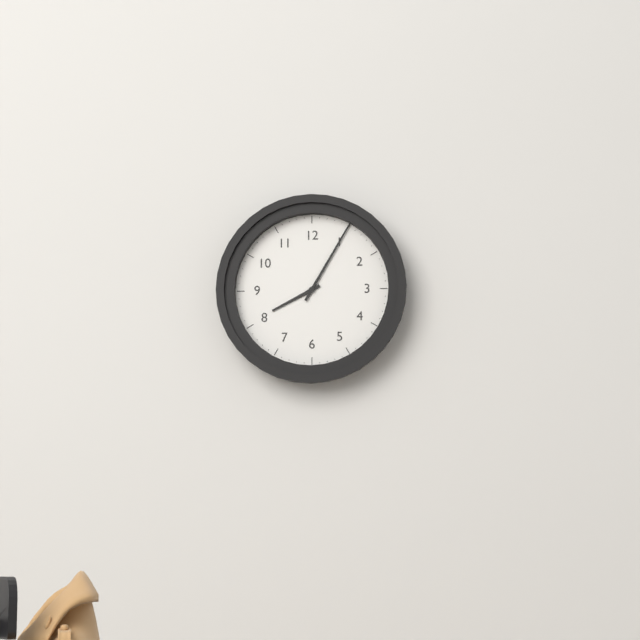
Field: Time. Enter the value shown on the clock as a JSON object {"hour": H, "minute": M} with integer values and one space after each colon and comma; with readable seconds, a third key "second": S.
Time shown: {"hour": 8, "minute": 5}
